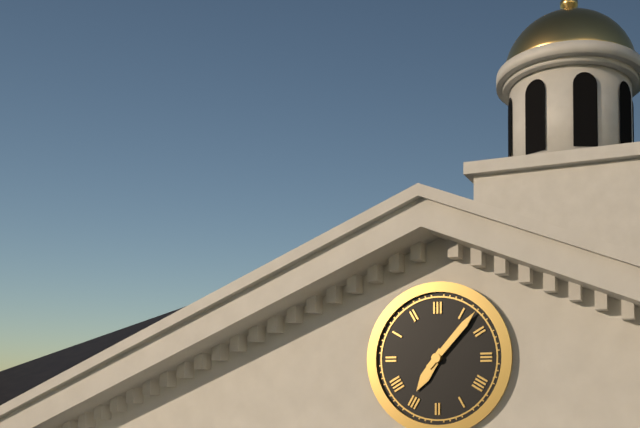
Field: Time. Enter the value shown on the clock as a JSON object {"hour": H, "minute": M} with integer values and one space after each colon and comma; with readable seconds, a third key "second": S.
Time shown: {"hour": 7, "minute": 7}
